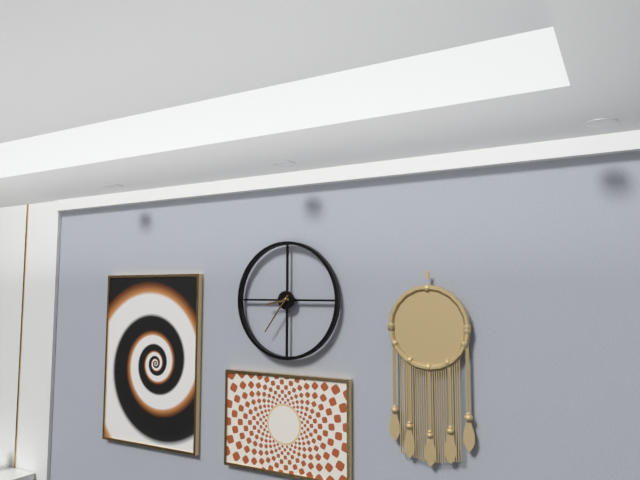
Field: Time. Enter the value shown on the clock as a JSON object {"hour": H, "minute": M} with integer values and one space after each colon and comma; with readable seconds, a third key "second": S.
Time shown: {"hour": 8, "minute": 36}
